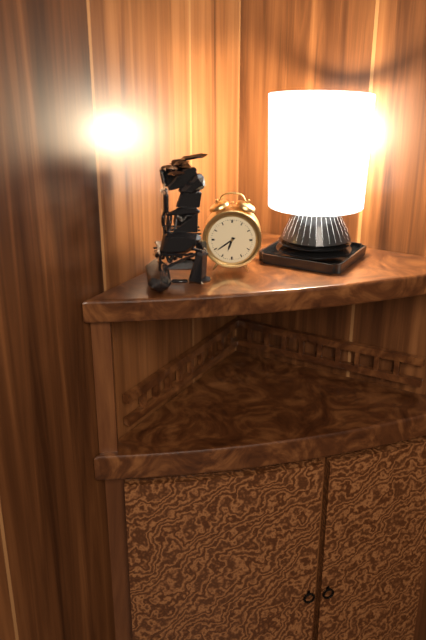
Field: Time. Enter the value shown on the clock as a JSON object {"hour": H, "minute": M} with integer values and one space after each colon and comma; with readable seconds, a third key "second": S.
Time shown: {"hour": 6, "minute": 39}
